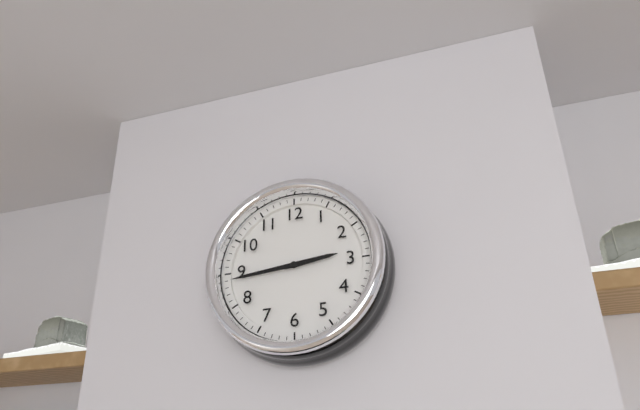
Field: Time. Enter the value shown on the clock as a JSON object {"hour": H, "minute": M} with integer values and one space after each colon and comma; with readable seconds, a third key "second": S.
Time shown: {"hour": 2, "minute": 44}
